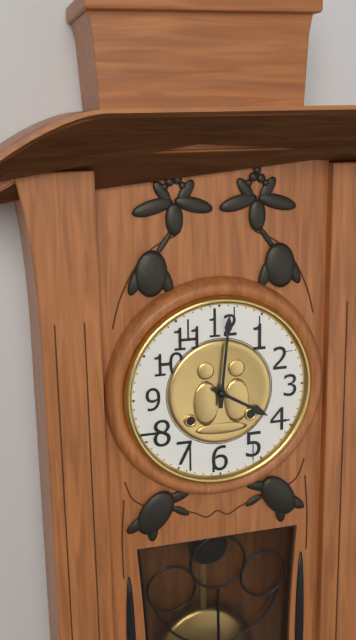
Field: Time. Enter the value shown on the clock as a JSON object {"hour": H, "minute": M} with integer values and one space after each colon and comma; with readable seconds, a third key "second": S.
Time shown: {"hour": 4, "minute": 1}
